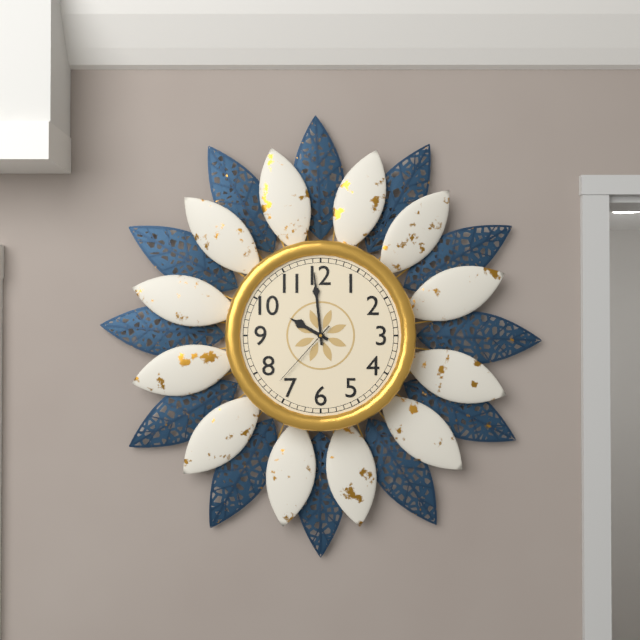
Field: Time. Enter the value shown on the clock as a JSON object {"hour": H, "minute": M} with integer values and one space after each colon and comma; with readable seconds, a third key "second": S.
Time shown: {"hour": 9, "minute": 59, "second": 37}
